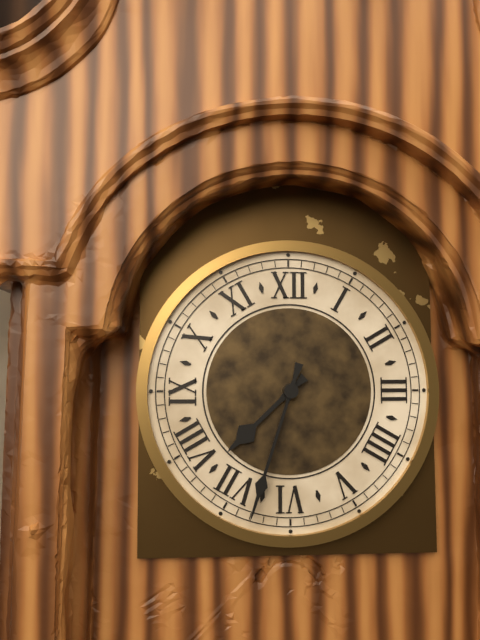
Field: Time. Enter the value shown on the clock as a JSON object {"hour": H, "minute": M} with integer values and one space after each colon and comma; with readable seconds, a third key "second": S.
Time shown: {"hour": 7, "minute": 33}
